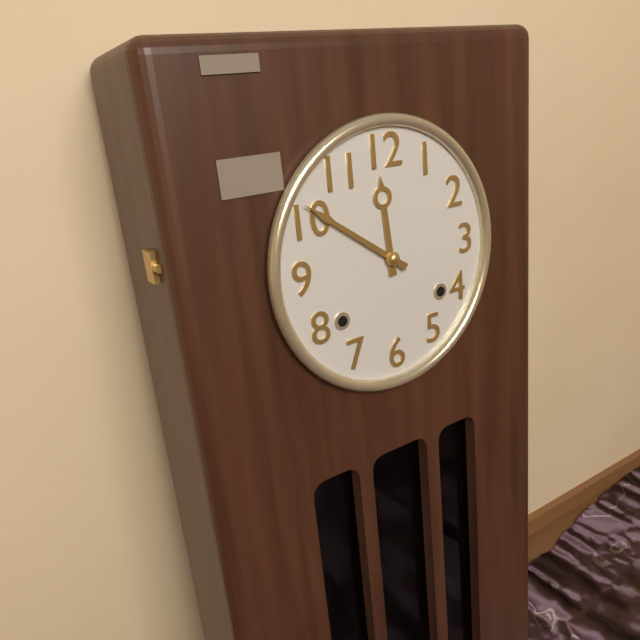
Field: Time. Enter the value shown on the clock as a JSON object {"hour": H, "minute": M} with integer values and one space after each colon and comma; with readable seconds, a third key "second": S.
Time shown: {"hour": 11, "minute": 51}
